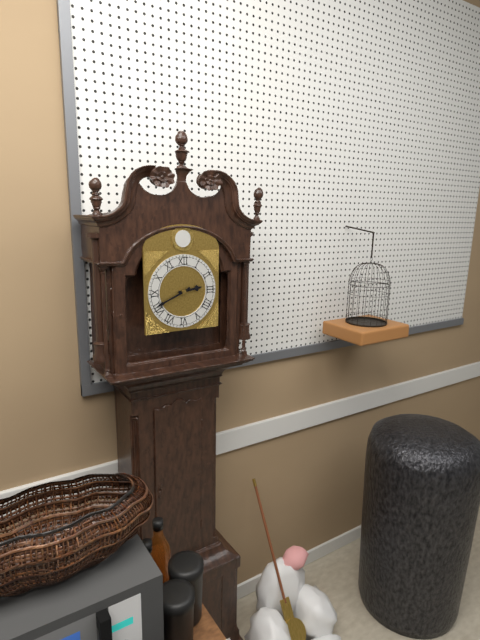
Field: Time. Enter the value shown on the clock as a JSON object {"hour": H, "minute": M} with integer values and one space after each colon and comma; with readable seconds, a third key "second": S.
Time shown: {"hour": 2, "minute": 41}
